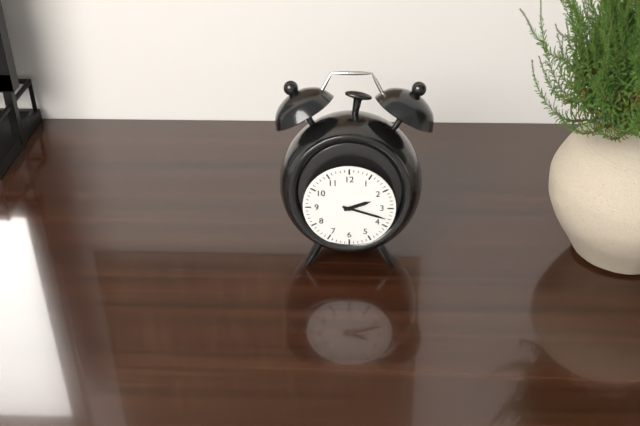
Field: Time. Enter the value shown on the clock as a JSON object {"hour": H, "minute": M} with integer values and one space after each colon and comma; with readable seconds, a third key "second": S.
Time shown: {"hour": 2, "minute": 18}
